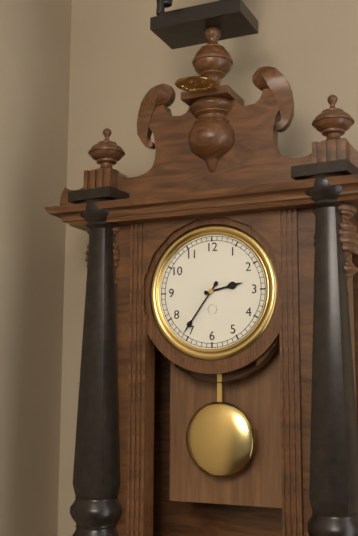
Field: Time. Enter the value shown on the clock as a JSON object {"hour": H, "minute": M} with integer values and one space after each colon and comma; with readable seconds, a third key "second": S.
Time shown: {"hour": 2, "minute": 36}
